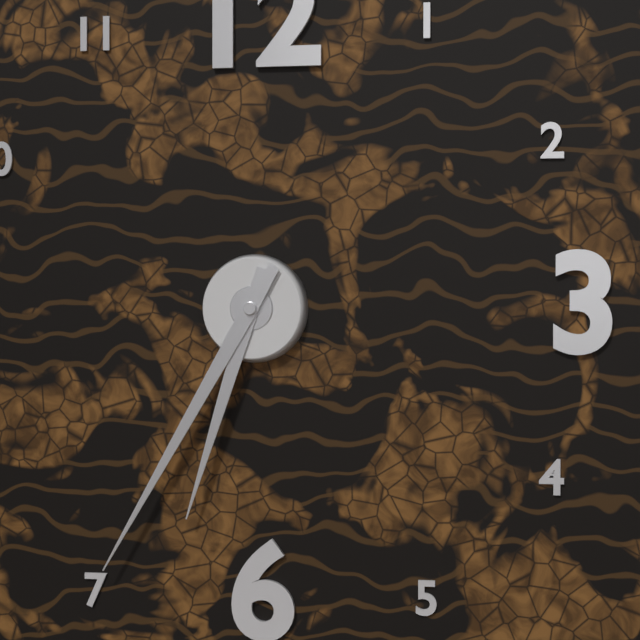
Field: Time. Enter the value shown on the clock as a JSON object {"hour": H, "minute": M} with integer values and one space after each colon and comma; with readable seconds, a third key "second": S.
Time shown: {"hour": 6, "minute": 35}
